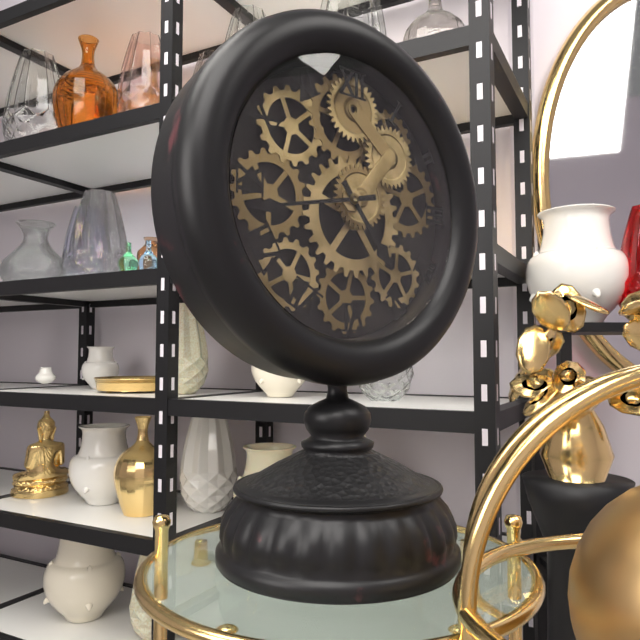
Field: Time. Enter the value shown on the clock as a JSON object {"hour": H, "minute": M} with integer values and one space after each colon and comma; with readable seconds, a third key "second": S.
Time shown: {"hour": 4, "minute": 43}
